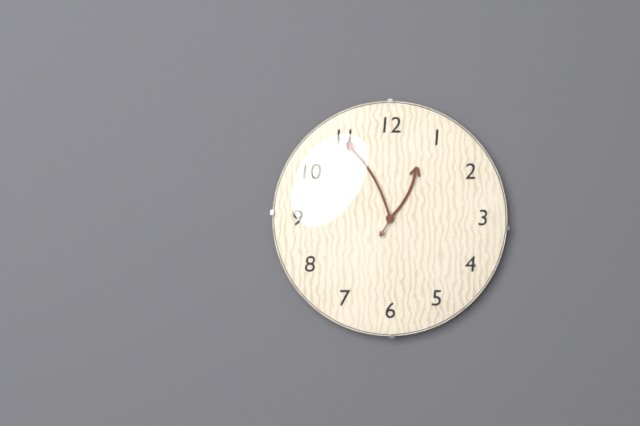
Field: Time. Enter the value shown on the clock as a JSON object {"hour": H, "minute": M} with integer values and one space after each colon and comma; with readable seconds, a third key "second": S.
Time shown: {"hour": 12, "minute": 55}
